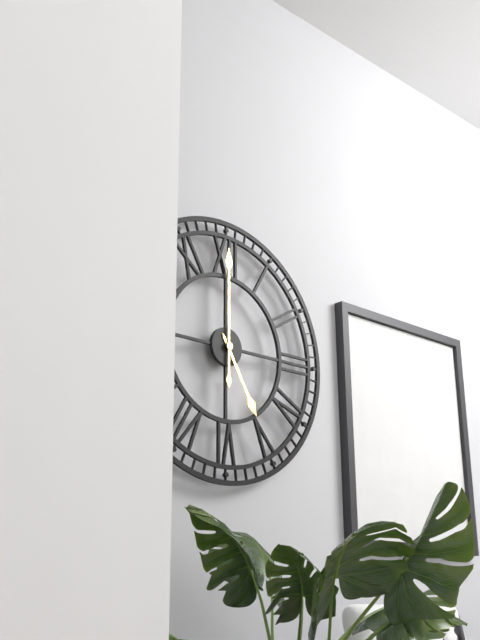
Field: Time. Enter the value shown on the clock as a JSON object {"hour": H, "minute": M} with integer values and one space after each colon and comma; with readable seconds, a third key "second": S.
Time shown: {"hour": 5, "minute": 0}
